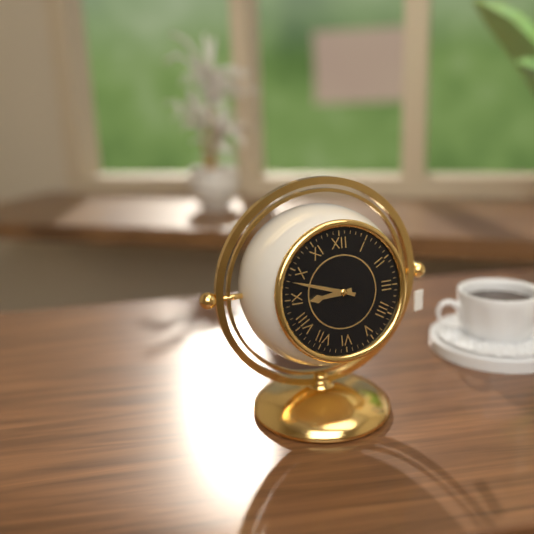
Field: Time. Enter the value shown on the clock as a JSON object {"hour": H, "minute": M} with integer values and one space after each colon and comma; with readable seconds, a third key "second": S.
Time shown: {"hour": 8, "minute": 48}
